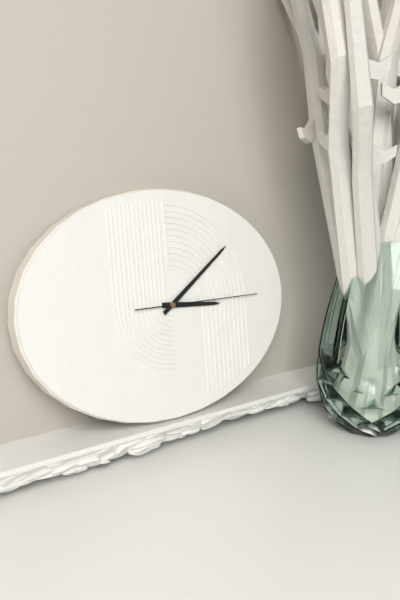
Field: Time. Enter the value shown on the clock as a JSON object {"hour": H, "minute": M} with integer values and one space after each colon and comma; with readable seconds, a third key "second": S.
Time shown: {"hour": 3, "minute": 9, "second": 15}
